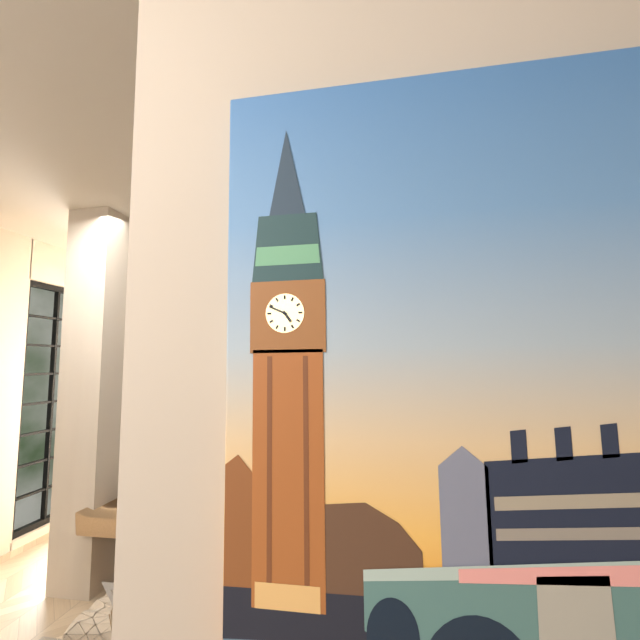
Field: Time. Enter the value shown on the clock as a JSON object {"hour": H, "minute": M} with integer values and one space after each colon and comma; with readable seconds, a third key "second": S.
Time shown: {"hour": 4, "minute": 49}
